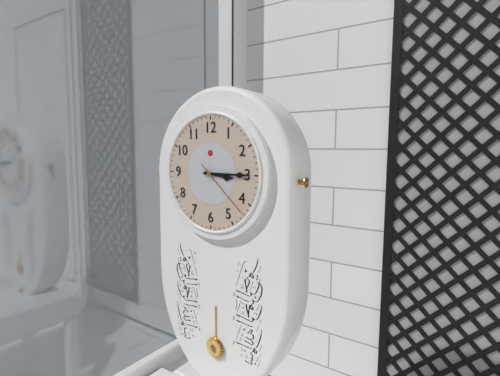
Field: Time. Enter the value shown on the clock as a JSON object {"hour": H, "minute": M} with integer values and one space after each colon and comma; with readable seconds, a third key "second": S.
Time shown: {"hour": 3, "minute": 15, "second": 22}
